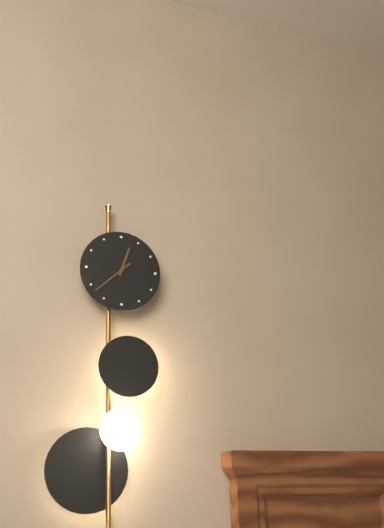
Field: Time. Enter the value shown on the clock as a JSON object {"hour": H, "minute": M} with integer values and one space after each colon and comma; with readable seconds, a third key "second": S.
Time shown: {"hour": 12, "minute": 38}
